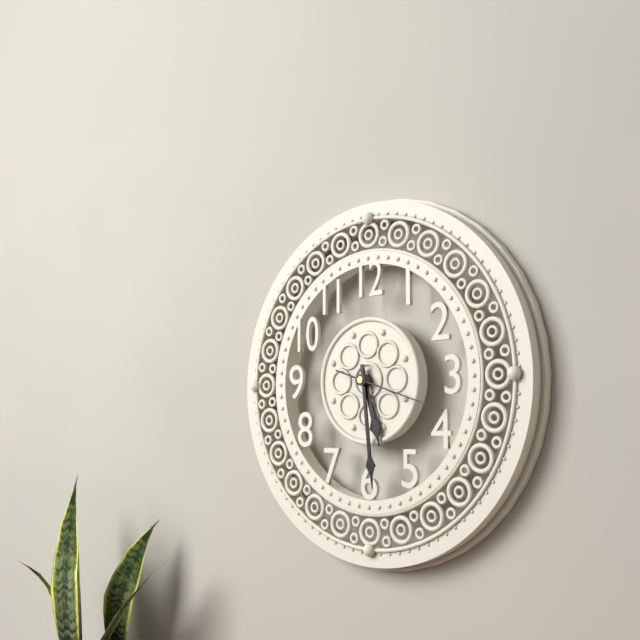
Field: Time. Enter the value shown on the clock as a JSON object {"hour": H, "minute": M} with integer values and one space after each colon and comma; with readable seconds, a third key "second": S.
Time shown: {"hour": 5, "minute": 29, "second": 18}
